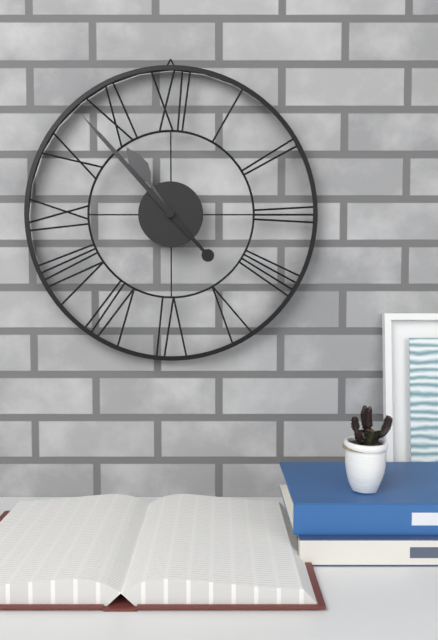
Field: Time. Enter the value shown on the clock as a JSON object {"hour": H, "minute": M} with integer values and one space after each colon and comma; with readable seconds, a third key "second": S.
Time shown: {"hour": 10, "minute": 53}
